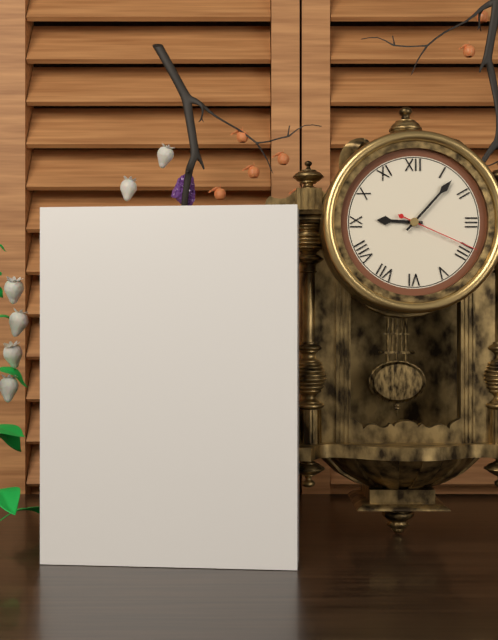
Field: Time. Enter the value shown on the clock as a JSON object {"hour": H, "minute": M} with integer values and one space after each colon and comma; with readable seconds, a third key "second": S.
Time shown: {"hour": 9, "minute": 7, "second": 19}
